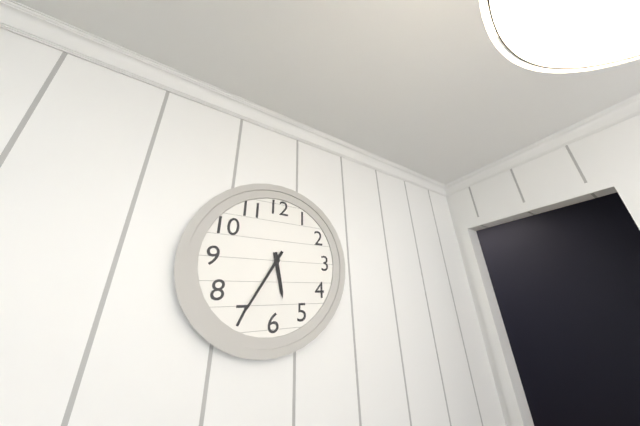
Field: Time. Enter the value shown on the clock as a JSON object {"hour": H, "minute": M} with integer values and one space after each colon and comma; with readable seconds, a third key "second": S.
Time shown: {"hour": 5, "minute": 35}
